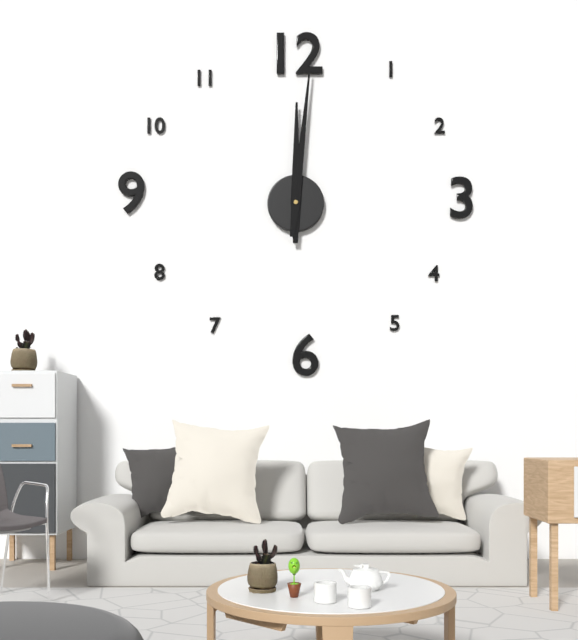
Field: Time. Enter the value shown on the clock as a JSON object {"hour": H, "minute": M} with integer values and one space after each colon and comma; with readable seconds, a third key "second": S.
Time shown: {"hour": 12, "minute": 1}
